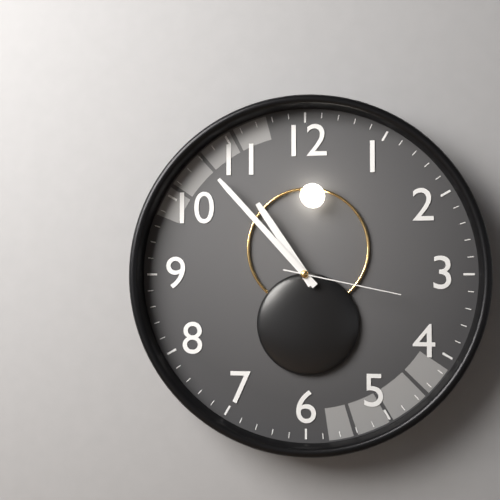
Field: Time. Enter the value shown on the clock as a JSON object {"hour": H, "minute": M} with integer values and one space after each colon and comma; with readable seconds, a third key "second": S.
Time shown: {"hour": 10, "minute": 53, "second": 17}
